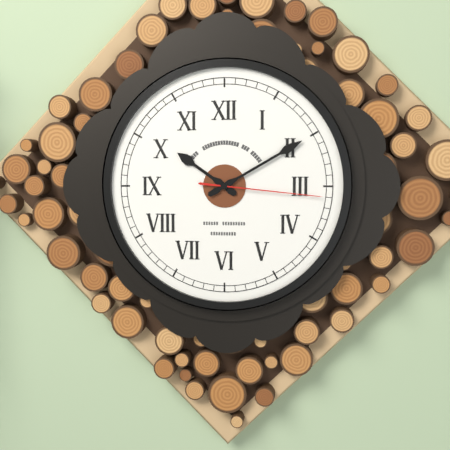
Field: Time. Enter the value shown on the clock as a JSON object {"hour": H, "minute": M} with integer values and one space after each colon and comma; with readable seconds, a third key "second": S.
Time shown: {"hour": 10, "minute": 10, "second": 16}
